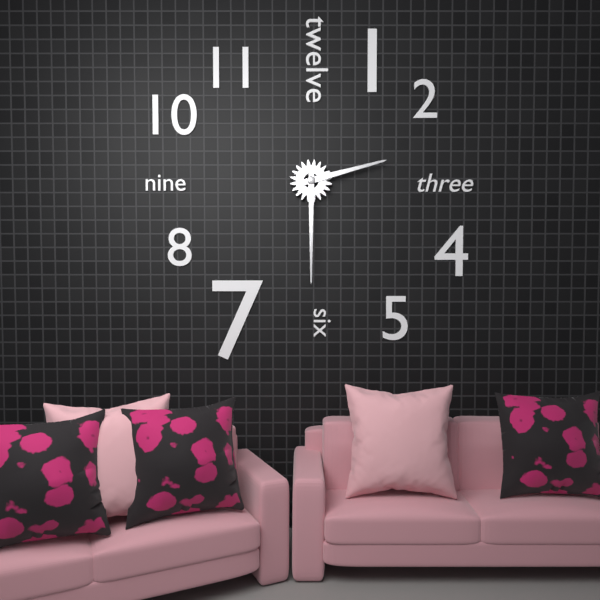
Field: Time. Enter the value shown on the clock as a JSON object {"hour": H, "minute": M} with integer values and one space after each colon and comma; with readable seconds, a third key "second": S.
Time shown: {"hour": 2, "minute": 30}
